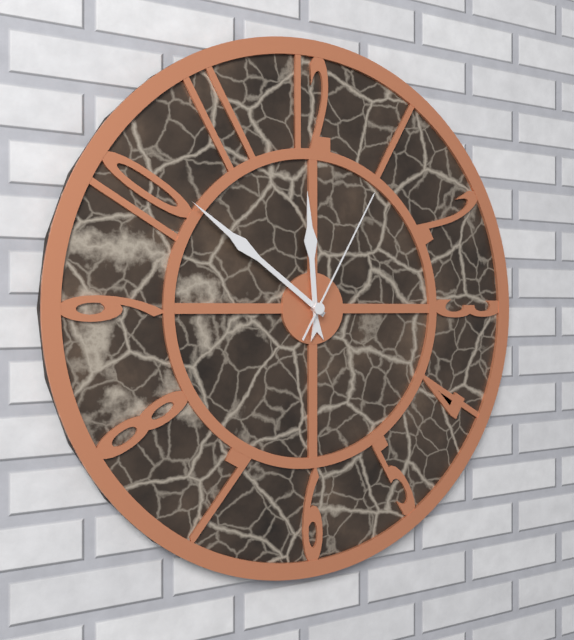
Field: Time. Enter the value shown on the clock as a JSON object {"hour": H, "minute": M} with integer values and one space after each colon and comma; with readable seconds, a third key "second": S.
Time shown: {"hour": 11, "minute": 51, "second": 5}
